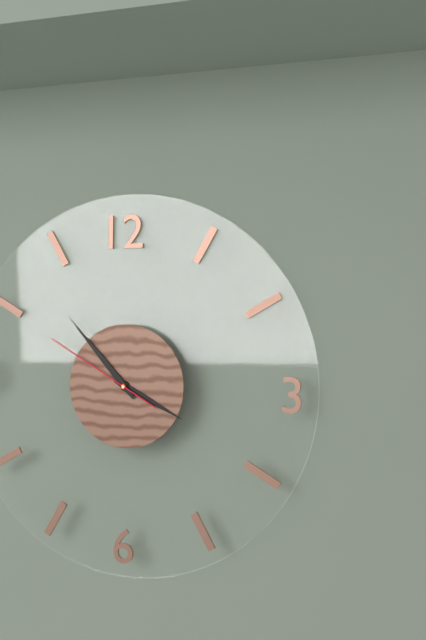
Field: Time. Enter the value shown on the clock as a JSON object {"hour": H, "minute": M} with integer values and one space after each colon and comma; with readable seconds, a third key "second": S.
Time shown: {"hour": 3, "minute": 53, "second": 50}
